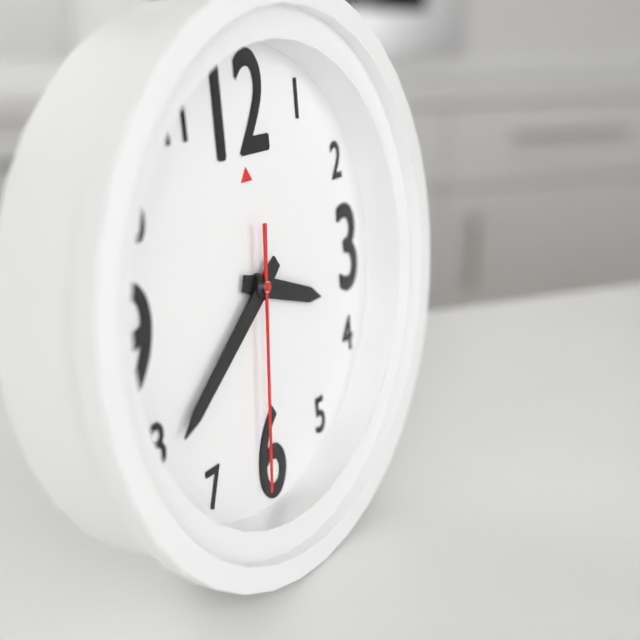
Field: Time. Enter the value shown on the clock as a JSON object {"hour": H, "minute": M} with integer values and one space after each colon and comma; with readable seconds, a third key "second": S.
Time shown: {"hour": 3, "minute": 39, "second": 31}
